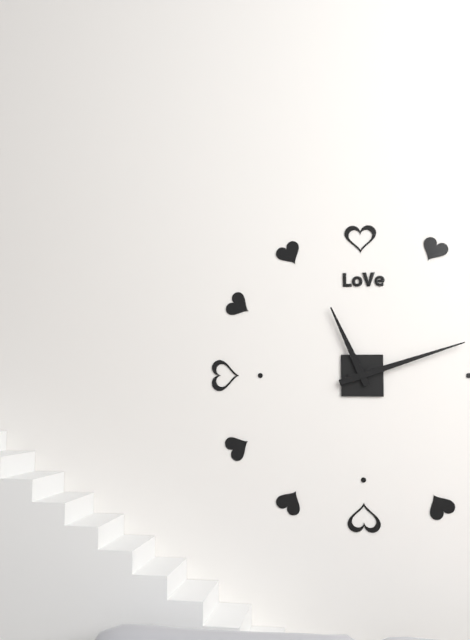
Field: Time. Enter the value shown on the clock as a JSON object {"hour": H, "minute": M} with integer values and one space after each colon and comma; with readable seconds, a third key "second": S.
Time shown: {"hour": 11, "minute": 12}
